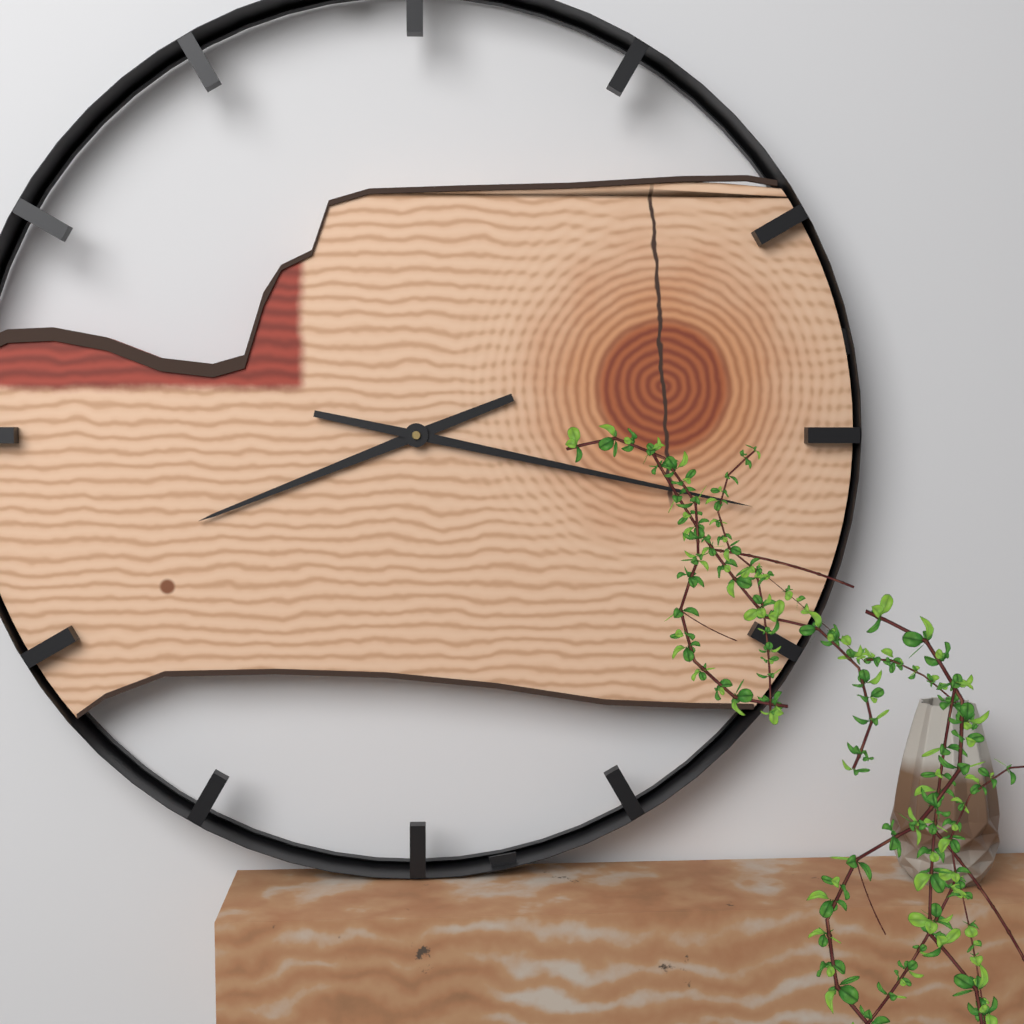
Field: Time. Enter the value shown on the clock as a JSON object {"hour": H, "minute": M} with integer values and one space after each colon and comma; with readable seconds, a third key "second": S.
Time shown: {"hour": 8, "minute": 17}
